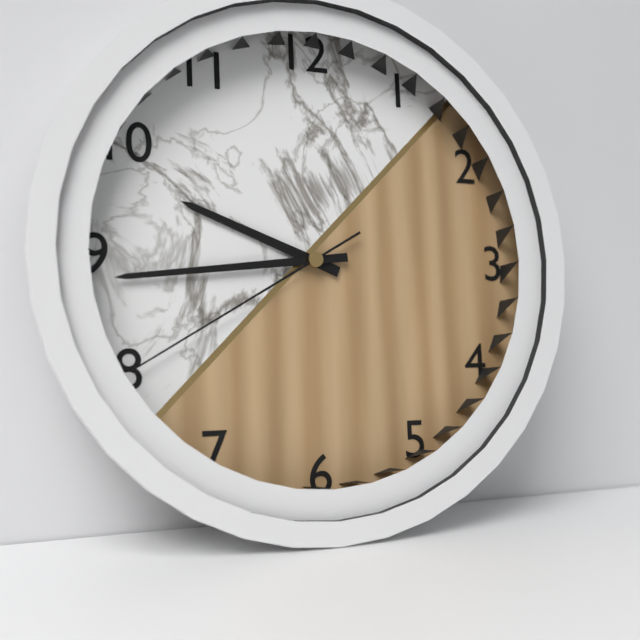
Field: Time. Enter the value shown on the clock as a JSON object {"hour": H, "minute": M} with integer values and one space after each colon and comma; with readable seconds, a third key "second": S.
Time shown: {"hour": 9, "minute": 44, "second": 40}
